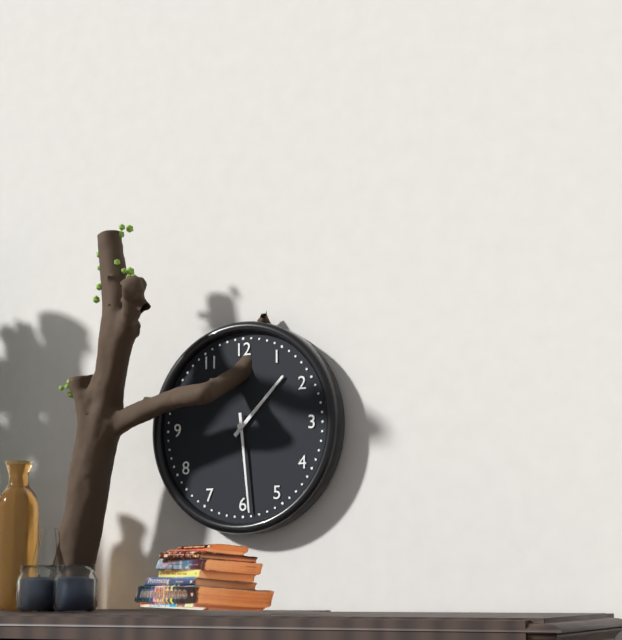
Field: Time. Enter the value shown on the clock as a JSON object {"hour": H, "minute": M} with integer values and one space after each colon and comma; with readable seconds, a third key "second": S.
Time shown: {"hour": 1, "minute": 29}
